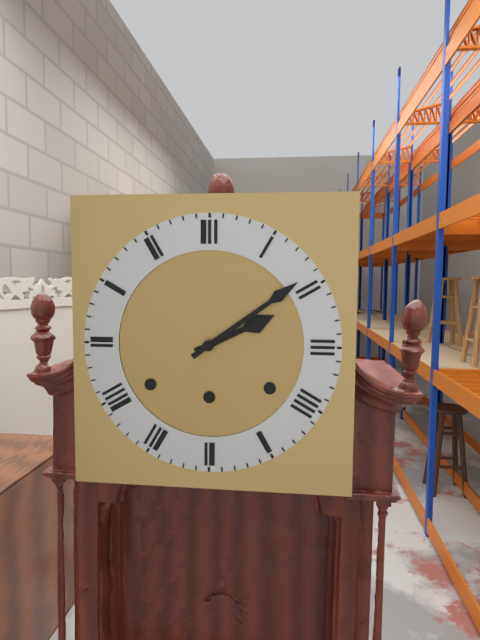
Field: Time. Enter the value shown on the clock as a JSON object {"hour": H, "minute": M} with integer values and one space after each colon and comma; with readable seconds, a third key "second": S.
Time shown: {"hour": 2, "minute": 9}
